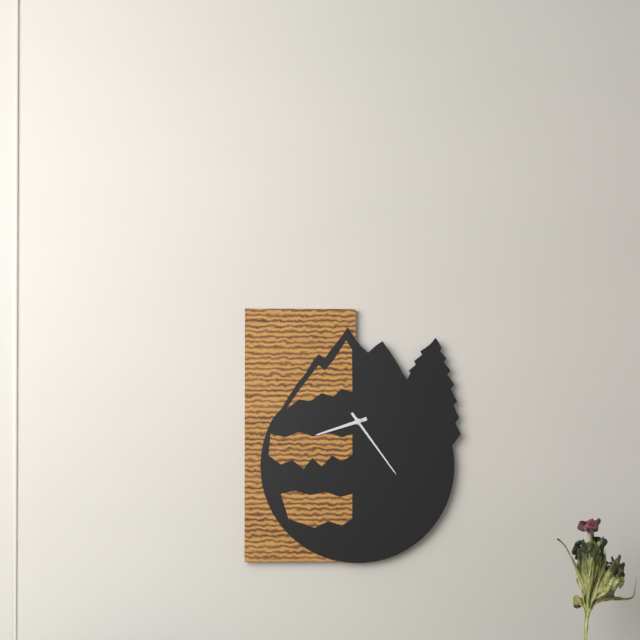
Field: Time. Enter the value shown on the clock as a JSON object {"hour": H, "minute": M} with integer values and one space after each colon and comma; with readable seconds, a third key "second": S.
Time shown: {"hour": 8, "minute": 24}
